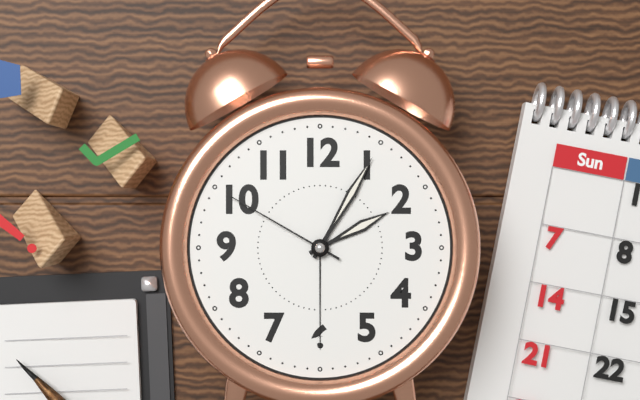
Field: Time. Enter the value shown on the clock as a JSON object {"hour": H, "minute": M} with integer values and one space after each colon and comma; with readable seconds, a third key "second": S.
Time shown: {"hour": 2, "minute": 5, "second": 50}
